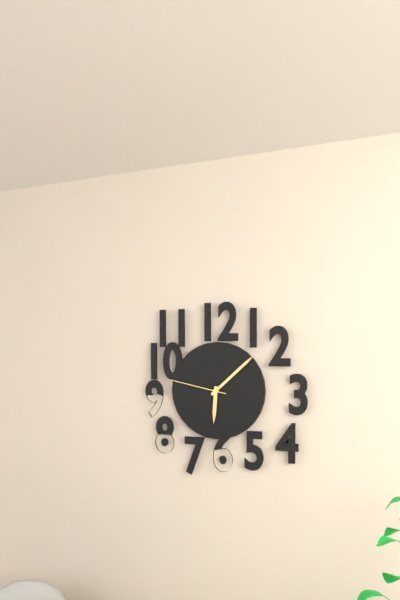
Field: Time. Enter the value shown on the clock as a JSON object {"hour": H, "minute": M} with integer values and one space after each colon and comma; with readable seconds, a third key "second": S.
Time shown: {"hour": 6, "minute": 8, "second": 47}
